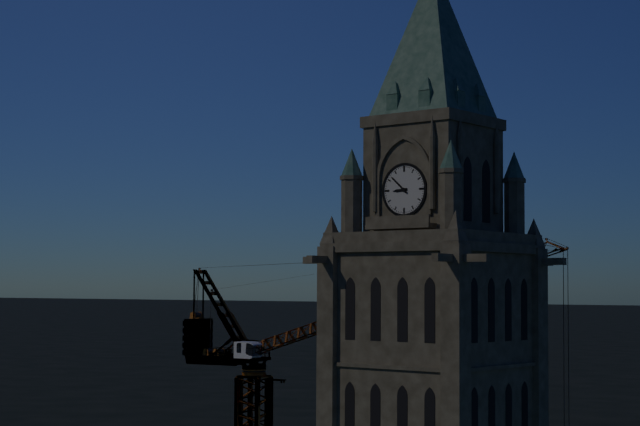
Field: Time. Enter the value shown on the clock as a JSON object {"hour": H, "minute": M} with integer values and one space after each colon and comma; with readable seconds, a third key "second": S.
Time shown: {"hour": 8, "minute": 52}
